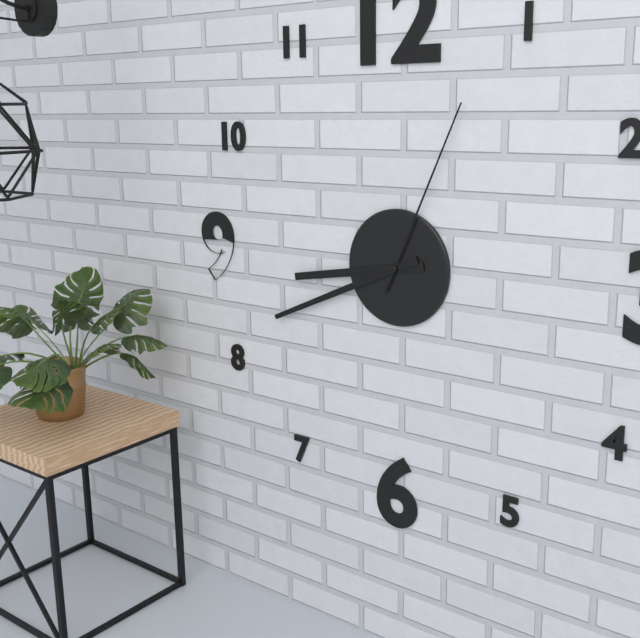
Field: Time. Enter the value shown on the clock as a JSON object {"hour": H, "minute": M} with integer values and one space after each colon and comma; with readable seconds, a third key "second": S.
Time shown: {"hour": 8, "minute": 41, "second": 4}
